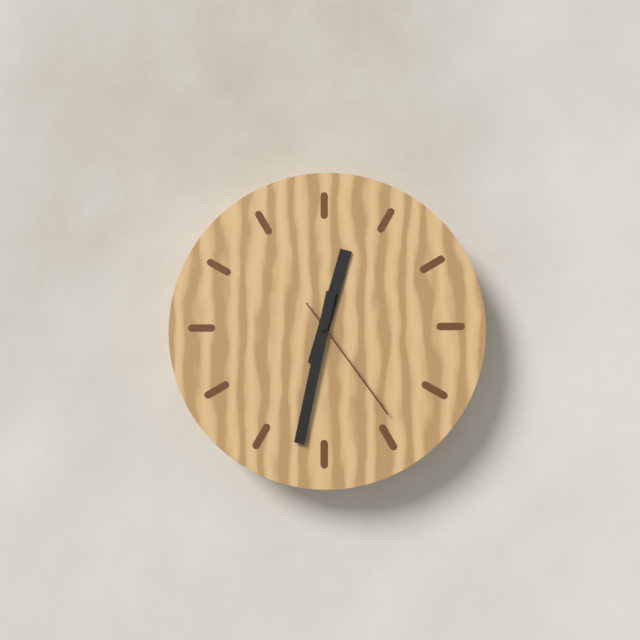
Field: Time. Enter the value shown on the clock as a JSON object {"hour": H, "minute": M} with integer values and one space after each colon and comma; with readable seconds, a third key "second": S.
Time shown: {"hour": 12, "minute": 32, "second": 24}
